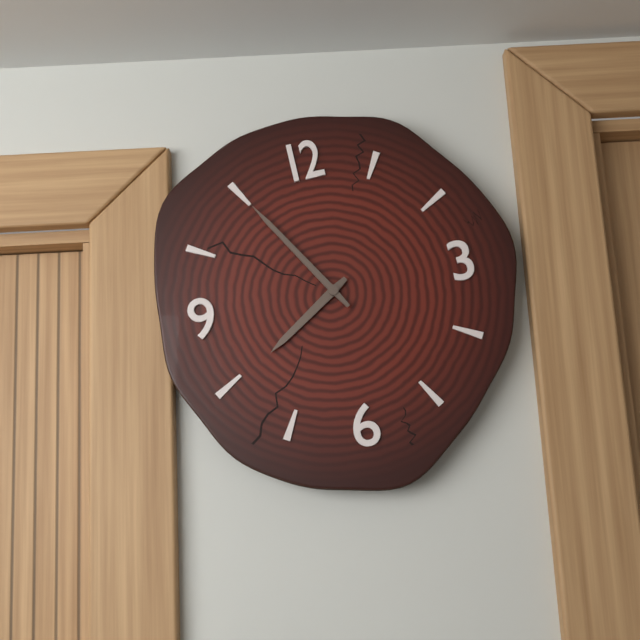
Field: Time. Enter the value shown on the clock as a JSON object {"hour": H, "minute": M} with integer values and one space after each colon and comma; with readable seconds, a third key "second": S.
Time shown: {"hour": 7, "minute": 55}
